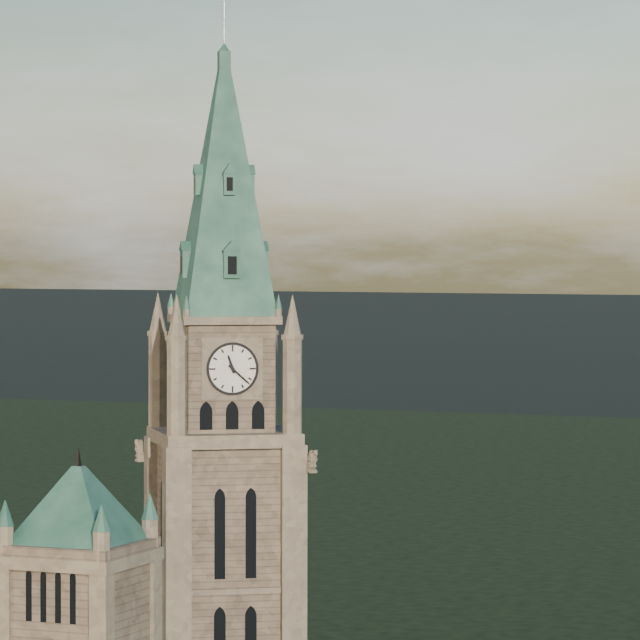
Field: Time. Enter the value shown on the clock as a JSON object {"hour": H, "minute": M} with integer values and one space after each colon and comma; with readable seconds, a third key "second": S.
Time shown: {"hour": 11, "minute": 22}
